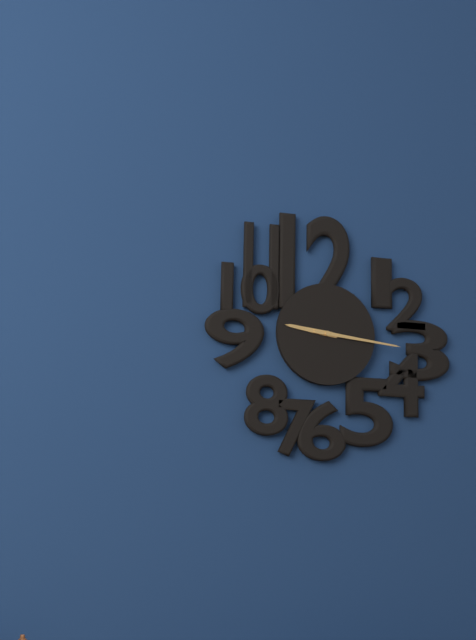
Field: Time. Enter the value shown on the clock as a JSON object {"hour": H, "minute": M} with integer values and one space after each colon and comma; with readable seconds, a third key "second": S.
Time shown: {"hour": 9, "minute": 16}
